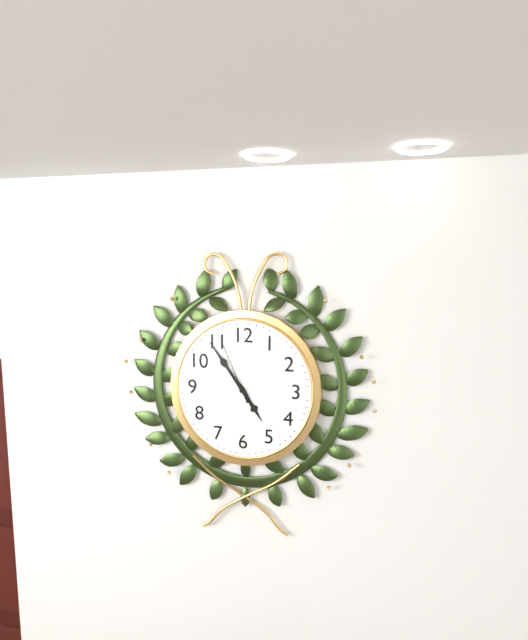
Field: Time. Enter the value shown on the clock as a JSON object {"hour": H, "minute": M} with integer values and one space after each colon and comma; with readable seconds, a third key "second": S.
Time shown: {"hour": 4, "minute": 54, "second": 56}
